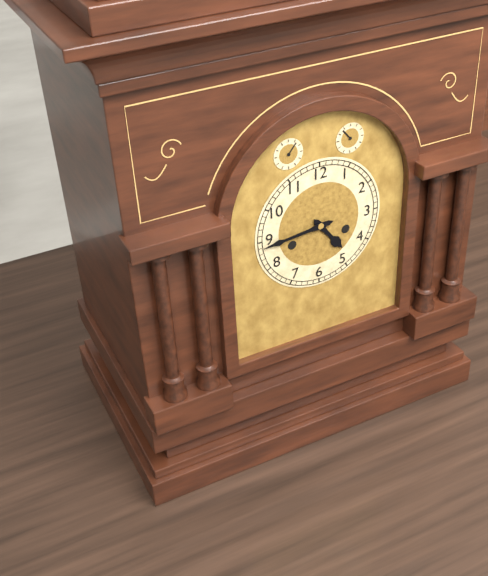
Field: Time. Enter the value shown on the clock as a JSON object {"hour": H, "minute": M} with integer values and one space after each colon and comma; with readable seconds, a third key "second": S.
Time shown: {"hour": 4, "minute": 44}
